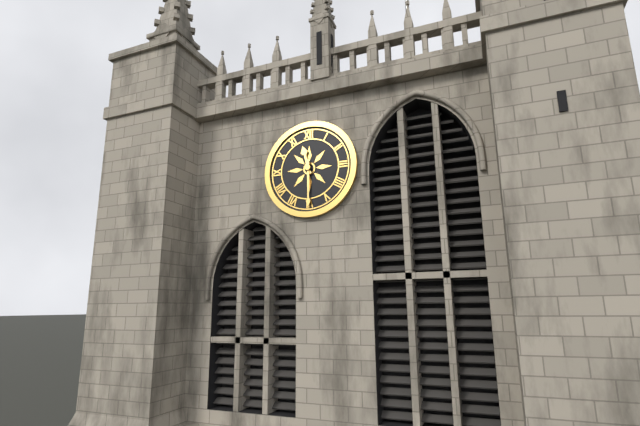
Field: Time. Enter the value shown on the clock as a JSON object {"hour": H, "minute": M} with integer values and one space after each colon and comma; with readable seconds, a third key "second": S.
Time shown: {"hour": 11, "minute": 30}
